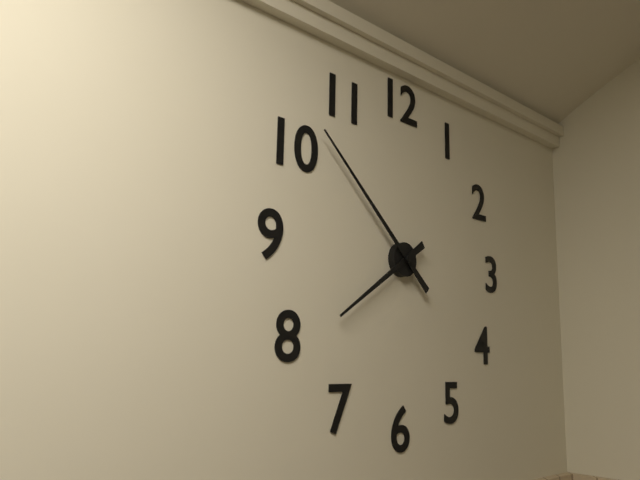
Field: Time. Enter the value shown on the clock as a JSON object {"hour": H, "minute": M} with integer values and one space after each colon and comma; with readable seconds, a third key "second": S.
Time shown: {"hour": 7, "minute": 52}
